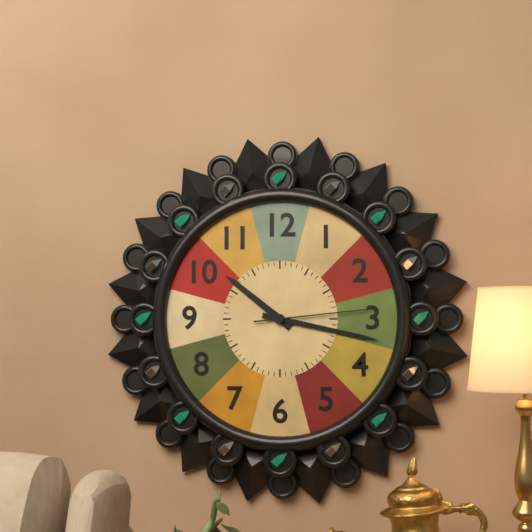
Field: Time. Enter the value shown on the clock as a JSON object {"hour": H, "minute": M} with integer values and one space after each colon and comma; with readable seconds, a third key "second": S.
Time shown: {"hour": 10, "minute": 17, "second": 14}
